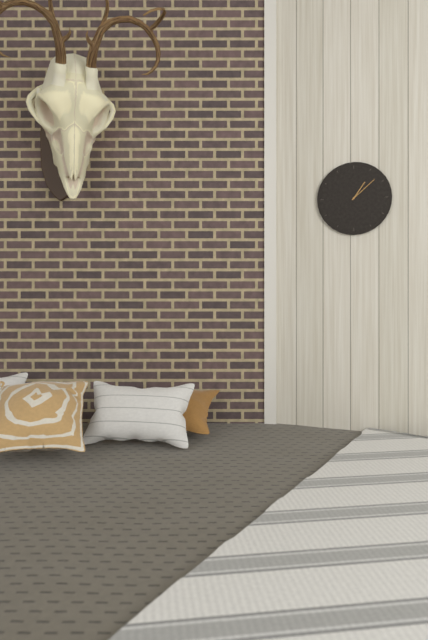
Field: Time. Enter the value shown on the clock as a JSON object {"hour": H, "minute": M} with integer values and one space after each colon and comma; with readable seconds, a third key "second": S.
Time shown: {"hour": 1, "minute": 8}
